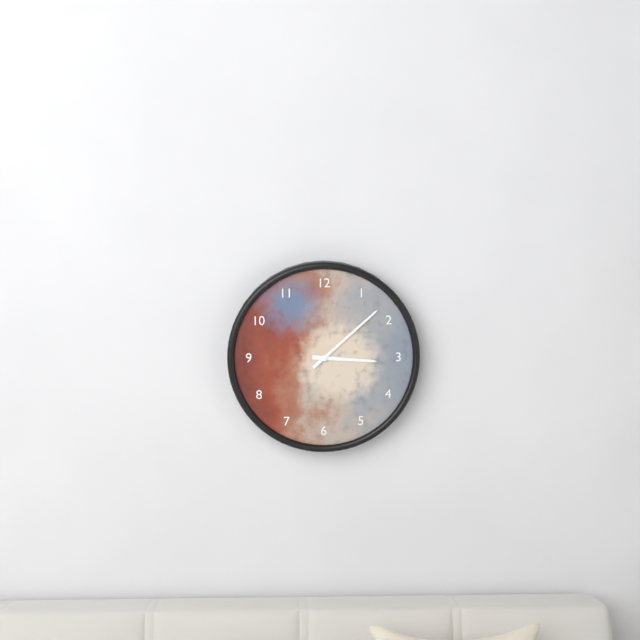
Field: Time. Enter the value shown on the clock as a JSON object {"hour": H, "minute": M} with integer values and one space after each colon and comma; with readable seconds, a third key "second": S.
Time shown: {"hour": 3, "minute": 8}
